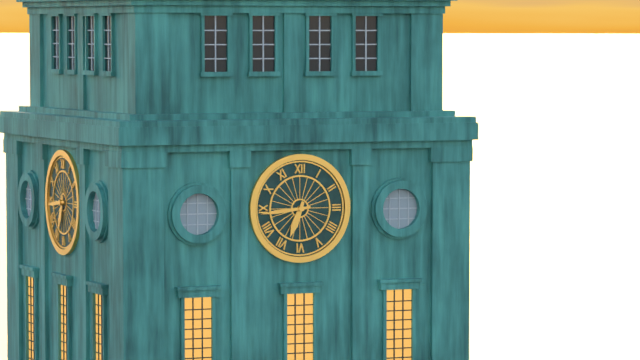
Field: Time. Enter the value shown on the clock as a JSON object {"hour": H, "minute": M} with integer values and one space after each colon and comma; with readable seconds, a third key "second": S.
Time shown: {"hour": 6, "minute": 44}
